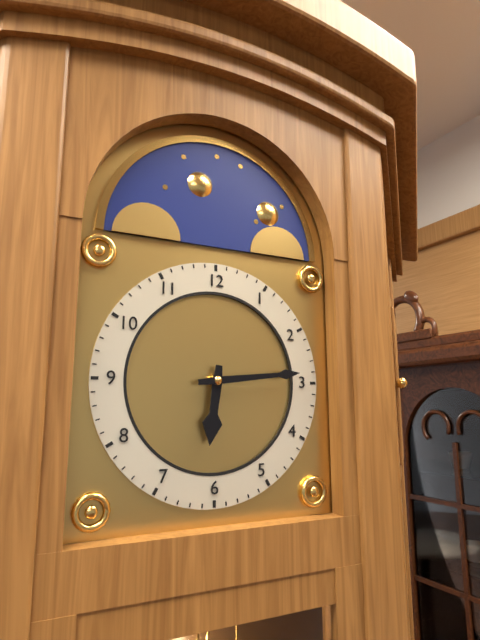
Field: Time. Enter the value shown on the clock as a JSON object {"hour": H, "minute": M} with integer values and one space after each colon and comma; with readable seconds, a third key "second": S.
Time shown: {"hour": 6, "minute": 14}
